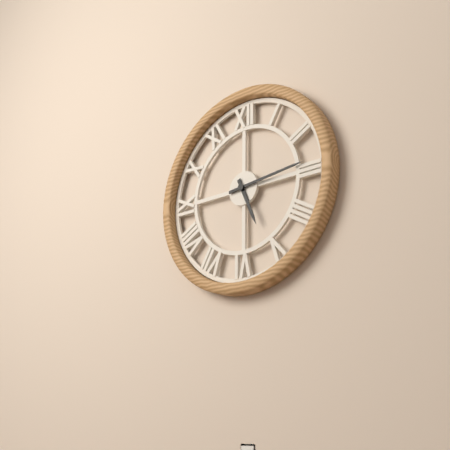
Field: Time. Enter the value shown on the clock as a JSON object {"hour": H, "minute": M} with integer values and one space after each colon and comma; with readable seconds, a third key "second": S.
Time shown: {"hour": 5, "minute": 14}
